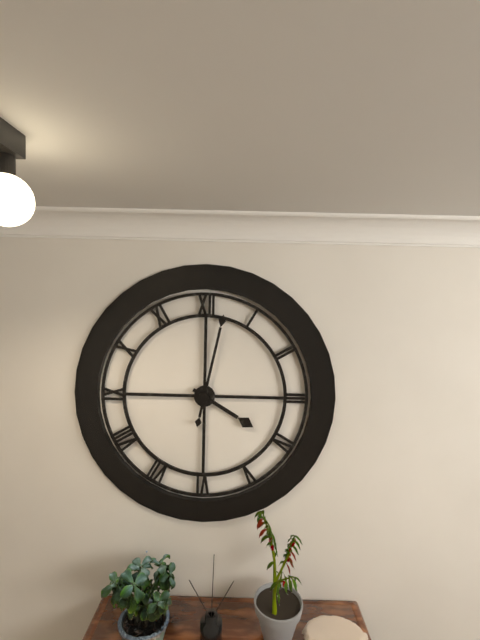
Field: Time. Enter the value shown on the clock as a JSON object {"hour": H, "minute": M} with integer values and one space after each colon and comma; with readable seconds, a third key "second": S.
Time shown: {"hour": 4, "minute": 2}
